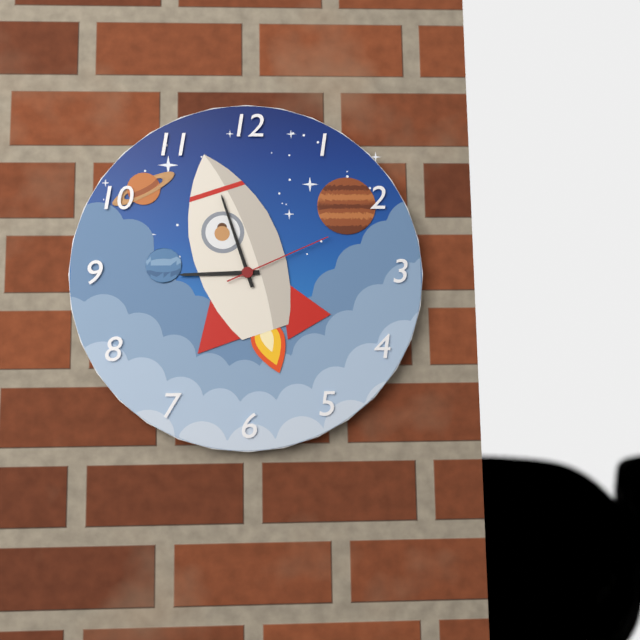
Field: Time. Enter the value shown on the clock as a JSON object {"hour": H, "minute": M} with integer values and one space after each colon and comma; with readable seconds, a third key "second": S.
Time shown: {"hour": 8, "minute": 57, "second": 11}
